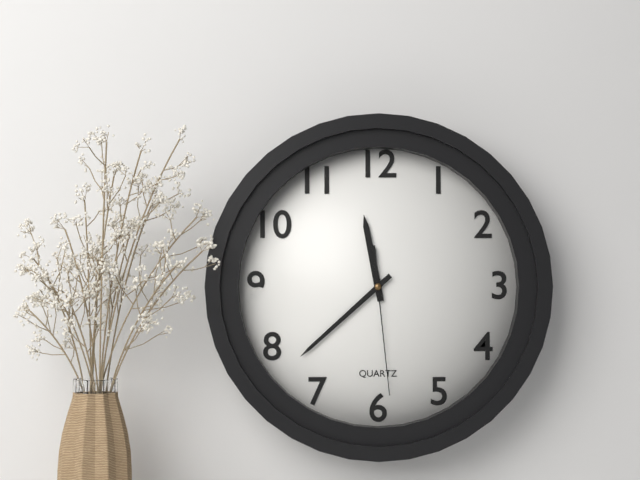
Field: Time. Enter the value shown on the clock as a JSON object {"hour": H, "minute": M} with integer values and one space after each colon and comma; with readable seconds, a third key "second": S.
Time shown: {"hour": 11, "minute": 38, "second": 29}
